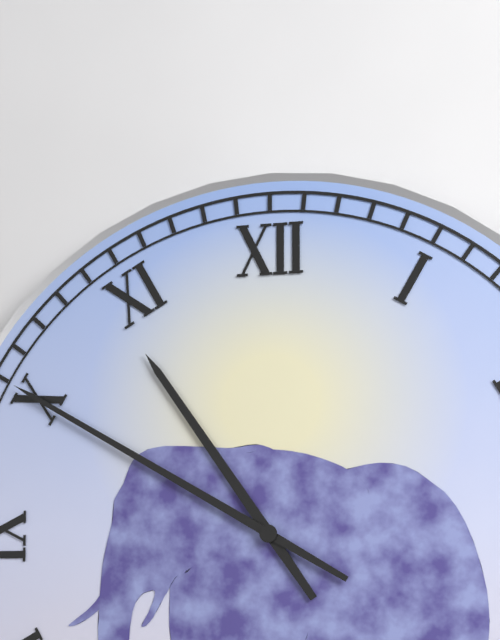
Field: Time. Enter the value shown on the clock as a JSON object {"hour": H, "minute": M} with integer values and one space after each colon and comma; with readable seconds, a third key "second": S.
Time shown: {"hour": 10, "minute": 50}
